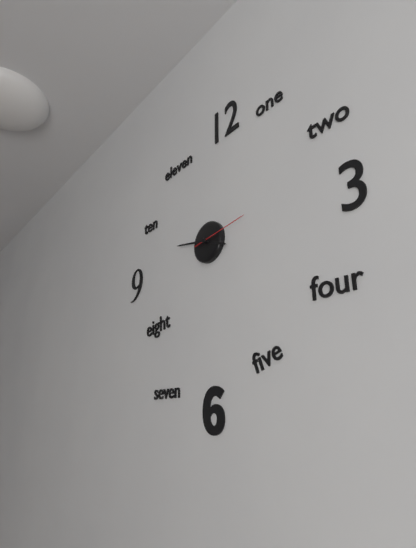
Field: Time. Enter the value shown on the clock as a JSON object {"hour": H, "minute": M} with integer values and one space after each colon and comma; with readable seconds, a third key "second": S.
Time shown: {"hour": 3, "minute": 47, "second": 14}
